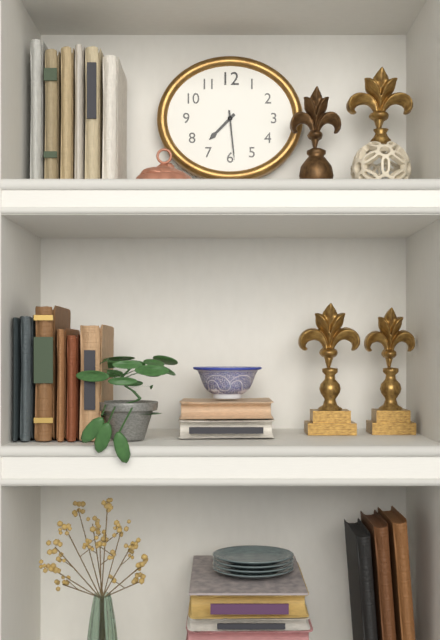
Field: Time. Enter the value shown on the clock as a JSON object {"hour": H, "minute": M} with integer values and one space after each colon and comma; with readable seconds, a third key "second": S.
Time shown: {"hour": 7, "minute": 29}
